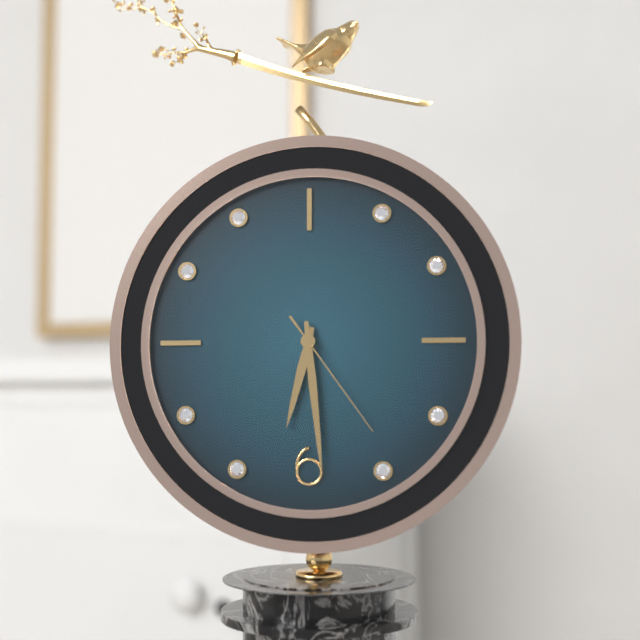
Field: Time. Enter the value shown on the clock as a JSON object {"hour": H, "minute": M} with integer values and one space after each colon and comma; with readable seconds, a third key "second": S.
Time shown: {"hour": 6, "minute": 29, "second": 24}
